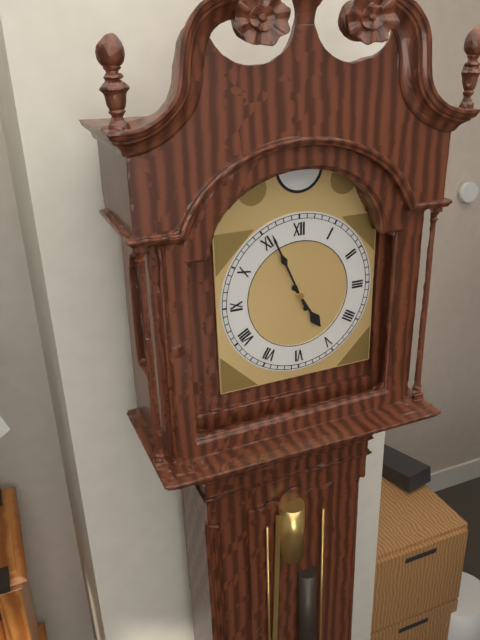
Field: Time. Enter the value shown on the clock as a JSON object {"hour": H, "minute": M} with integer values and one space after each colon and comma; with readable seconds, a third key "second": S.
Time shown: {"hour": 4, "minute": 56}
